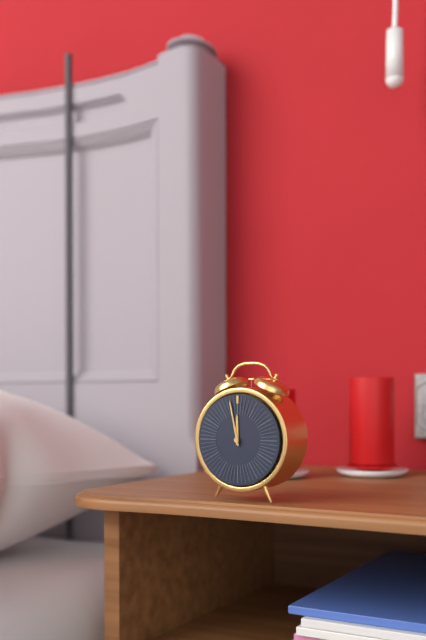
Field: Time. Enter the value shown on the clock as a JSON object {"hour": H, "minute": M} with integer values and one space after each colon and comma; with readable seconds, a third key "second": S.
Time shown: {"hour": 11, "minute": 58}
